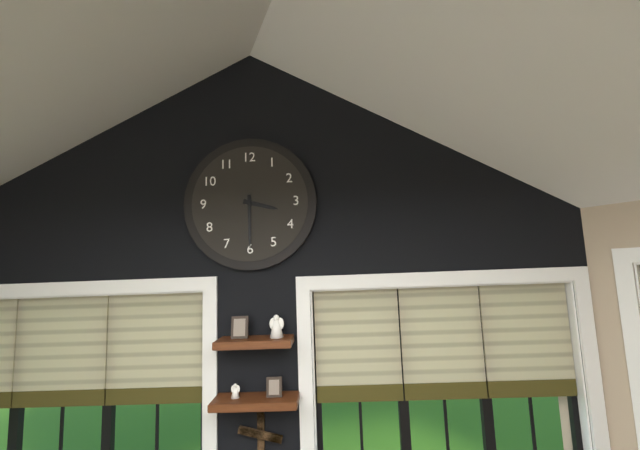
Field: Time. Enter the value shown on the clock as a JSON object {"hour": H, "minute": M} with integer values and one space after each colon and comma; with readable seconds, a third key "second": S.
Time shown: {"hour": 3, "minute": 30}
